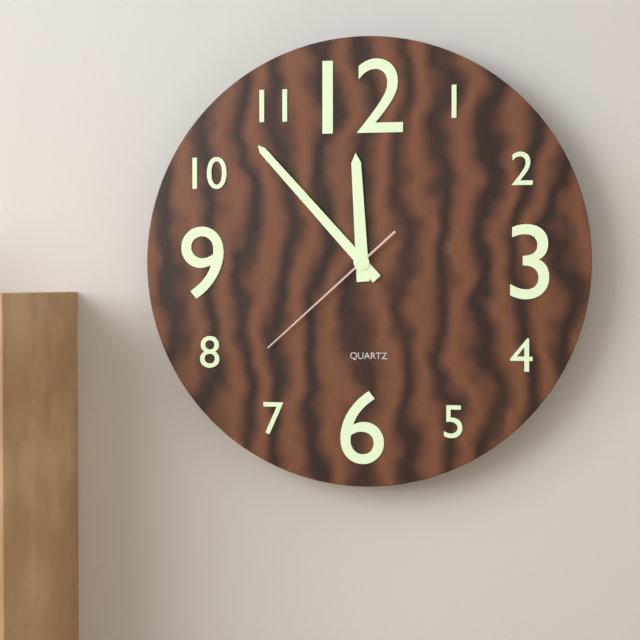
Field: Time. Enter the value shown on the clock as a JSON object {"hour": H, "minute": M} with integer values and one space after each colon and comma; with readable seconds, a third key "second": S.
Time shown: {"hour": 11, "minute": 53, "second": 38}
